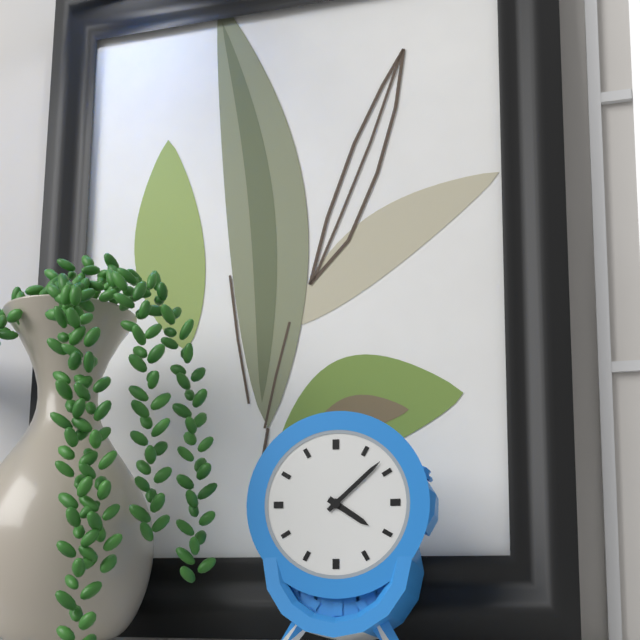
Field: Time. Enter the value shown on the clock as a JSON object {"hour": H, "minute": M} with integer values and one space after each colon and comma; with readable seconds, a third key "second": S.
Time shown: {"hour": 4, "minute": 8}
